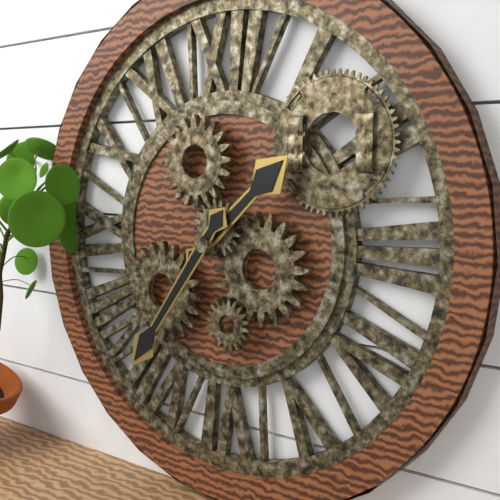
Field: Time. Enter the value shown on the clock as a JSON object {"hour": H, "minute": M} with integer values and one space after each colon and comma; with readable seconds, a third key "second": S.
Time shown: {"hour": 1, "minute": 36}
